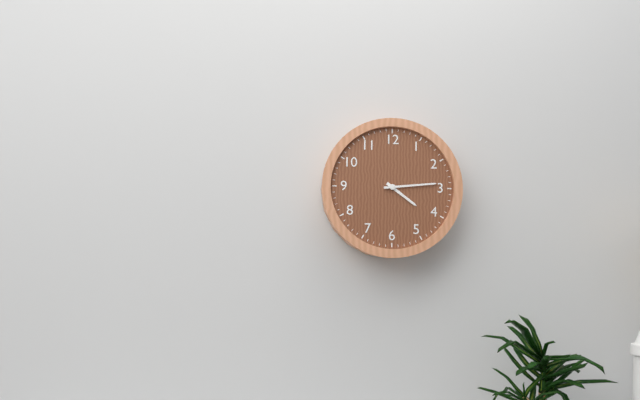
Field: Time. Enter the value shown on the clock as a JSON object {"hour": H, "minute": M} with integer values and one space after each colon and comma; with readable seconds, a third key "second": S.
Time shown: {"hour": 4, "minute": 14}
